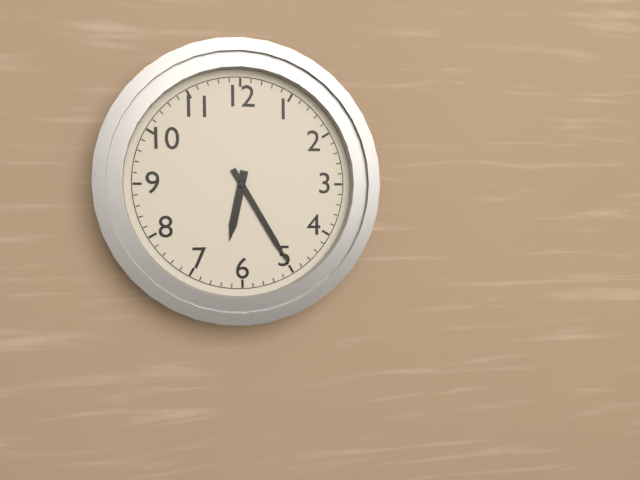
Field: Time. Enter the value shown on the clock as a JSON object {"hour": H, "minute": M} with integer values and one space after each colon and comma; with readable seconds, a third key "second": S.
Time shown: {"hour": 6, "minute": 25}
